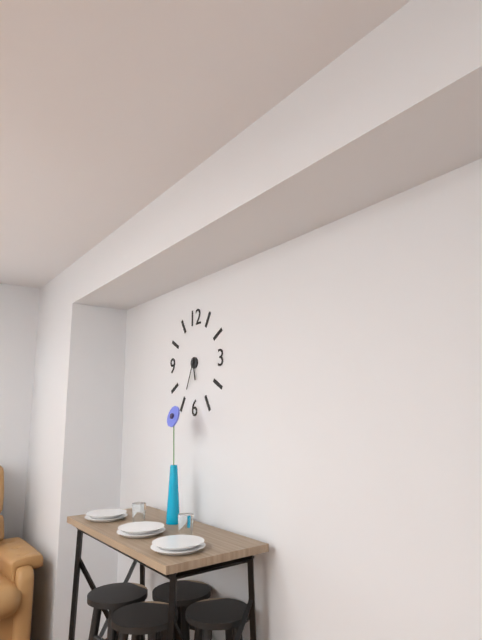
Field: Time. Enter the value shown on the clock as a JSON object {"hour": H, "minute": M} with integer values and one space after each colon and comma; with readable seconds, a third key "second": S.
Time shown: {"hour": 5, "minute": 34}
